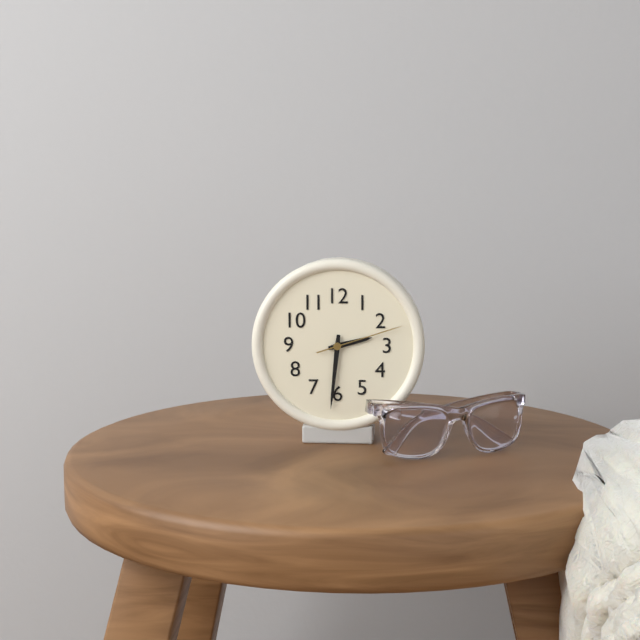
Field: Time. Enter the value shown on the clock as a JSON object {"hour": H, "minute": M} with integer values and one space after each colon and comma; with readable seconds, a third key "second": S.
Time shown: {"hour": 2, "minute": 31, "second": 12}
